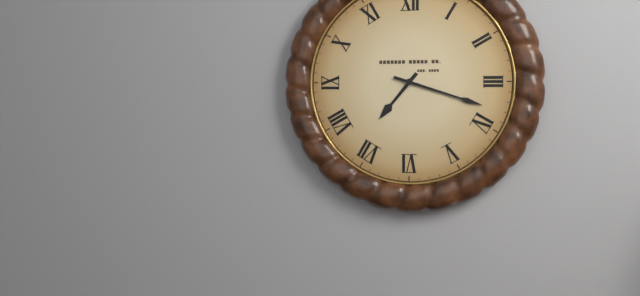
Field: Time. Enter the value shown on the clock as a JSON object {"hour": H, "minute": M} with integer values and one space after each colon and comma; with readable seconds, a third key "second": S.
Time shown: {"hour": 7, "minute": 18}
